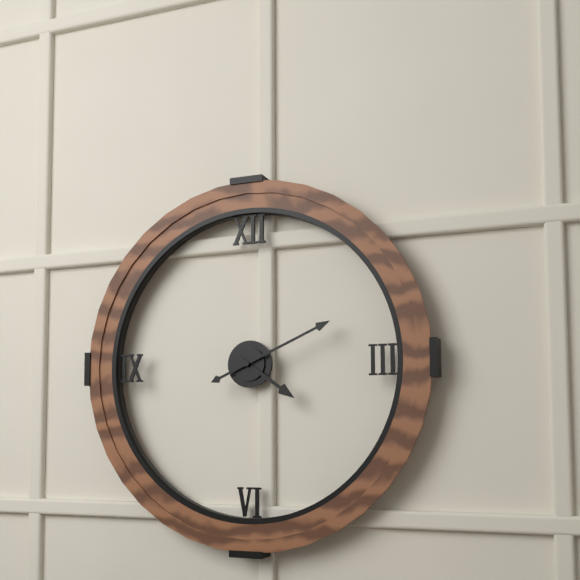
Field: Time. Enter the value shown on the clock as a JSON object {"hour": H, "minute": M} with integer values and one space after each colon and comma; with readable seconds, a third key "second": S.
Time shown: {"hour": 4, "minute": 11}
